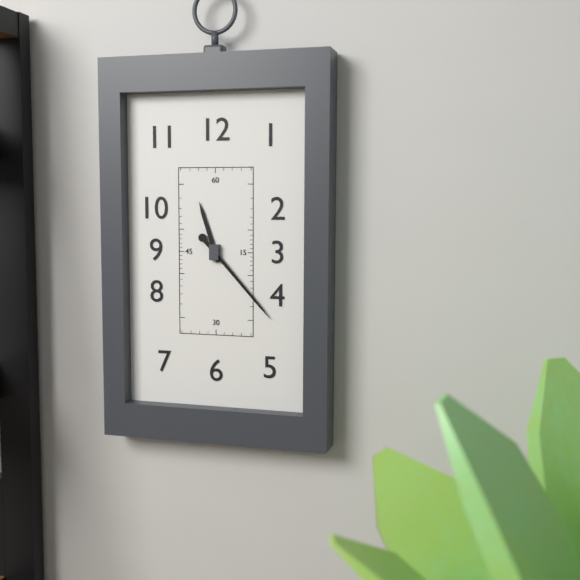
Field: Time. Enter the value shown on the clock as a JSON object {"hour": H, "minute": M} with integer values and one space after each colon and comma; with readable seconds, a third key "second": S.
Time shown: {"hour": 11, "minute": 23}
